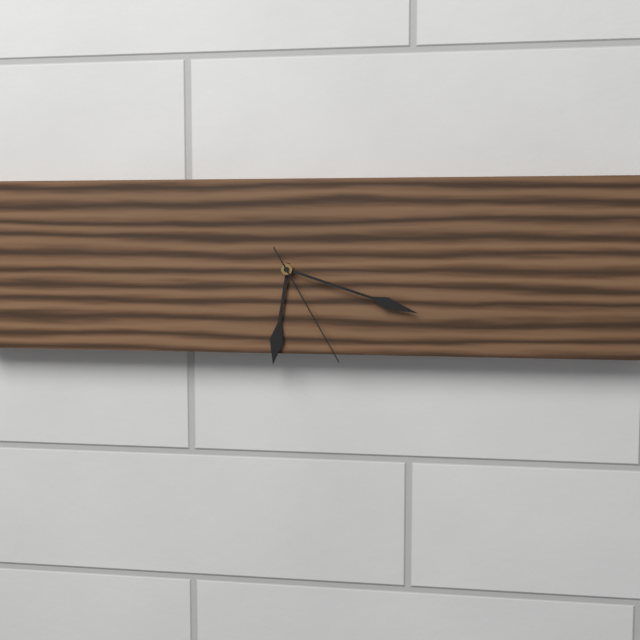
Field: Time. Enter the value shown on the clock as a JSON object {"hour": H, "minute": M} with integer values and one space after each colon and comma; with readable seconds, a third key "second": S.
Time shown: {"hour": 6, "minute": 18, "second": 25}
